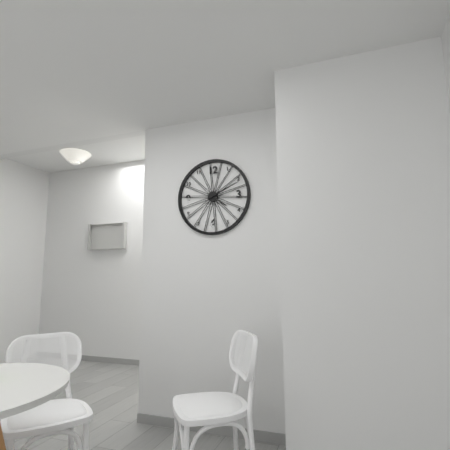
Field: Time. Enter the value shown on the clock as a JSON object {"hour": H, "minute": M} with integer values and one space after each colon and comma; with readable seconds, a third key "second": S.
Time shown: {"hour": 4, "minute": 11}
